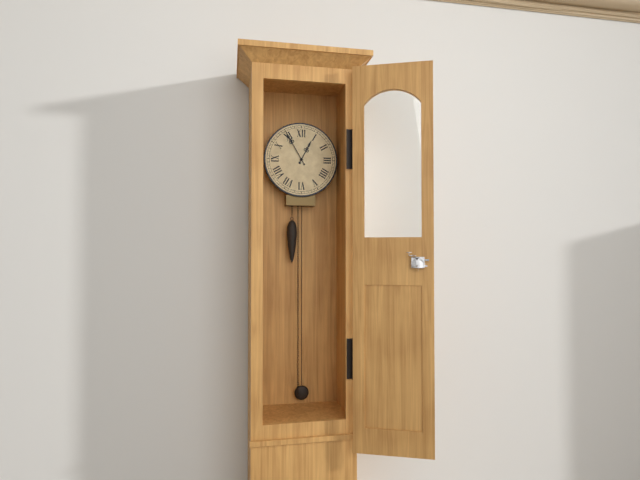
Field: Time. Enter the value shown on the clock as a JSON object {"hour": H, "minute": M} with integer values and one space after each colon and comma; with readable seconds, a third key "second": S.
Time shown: {"hour": 12, "minute": 55}
